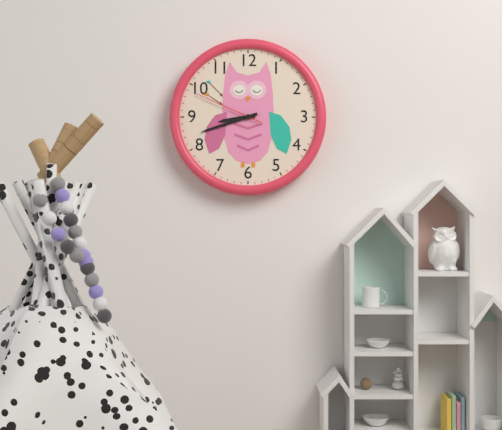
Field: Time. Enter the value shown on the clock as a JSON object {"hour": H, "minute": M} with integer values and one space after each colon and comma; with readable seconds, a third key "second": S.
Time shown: {"hour": 8, "minute": 42, "second": 49}
